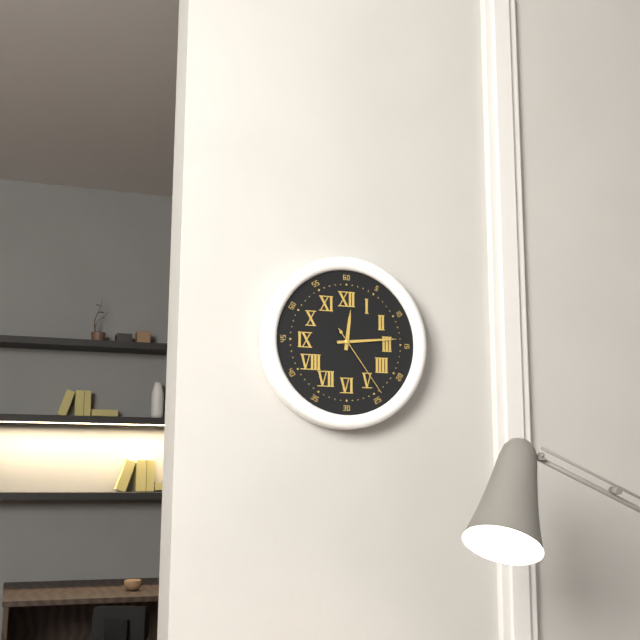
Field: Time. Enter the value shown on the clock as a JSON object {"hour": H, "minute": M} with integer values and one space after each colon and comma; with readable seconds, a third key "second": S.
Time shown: {"hour": 12, "minute": 14, "second": 24}
